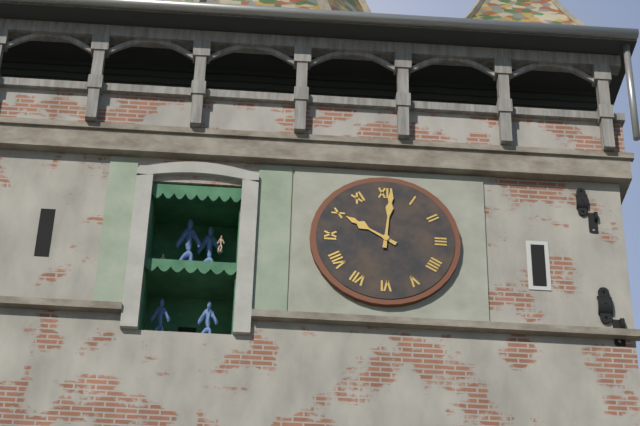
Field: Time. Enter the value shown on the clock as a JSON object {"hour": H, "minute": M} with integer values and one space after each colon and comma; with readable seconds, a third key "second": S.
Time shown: {"hour": 10, "minute": 1}
